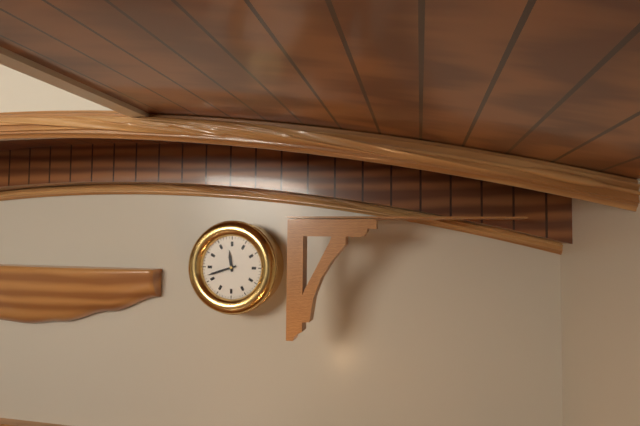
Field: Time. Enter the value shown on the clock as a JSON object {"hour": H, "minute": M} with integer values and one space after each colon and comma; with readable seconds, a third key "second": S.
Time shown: {"hour": 11, "minute": 42}
